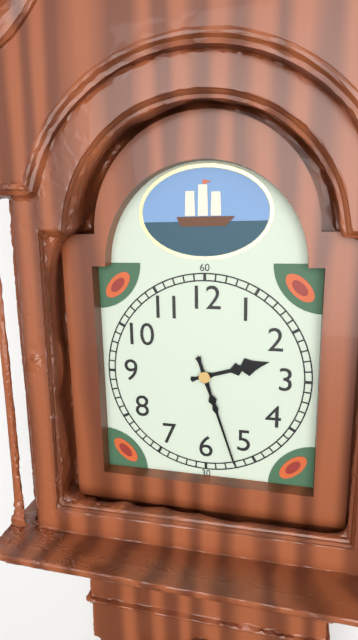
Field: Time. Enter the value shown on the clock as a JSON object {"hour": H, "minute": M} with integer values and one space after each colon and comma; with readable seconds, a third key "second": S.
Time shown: {"hour": 2, "minute": 27}
